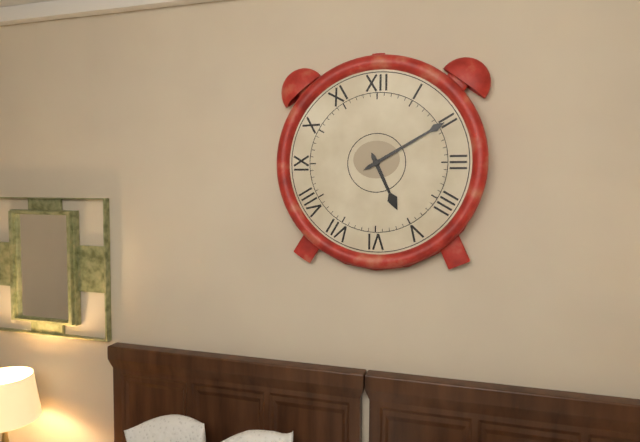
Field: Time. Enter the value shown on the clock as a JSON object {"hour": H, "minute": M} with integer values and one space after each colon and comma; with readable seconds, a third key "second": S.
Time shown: {"hour": 5, "minute": 10}
